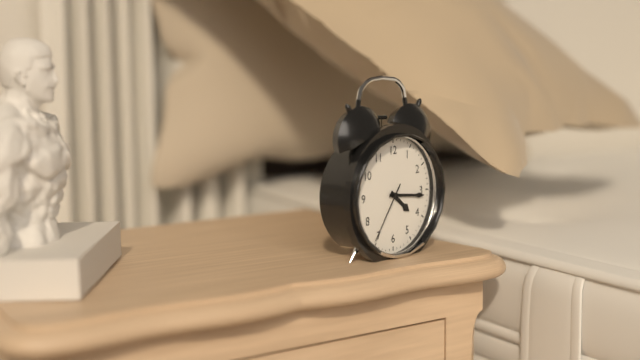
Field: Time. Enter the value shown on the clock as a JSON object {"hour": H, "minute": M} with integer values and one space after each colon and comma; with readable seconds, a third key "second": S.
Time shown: {"hour": 4, "minute": 16, "second": 36}
